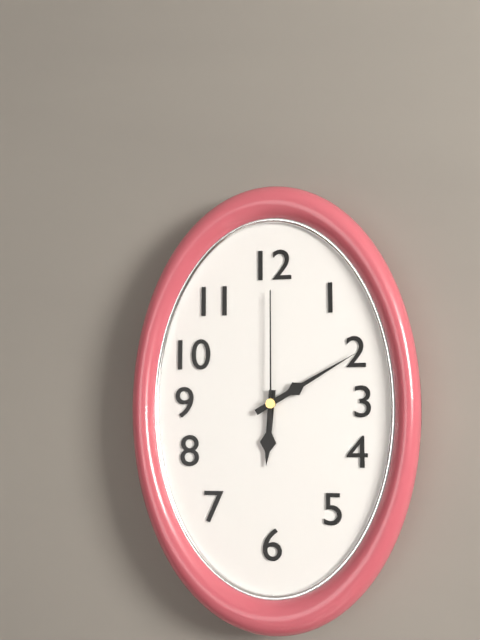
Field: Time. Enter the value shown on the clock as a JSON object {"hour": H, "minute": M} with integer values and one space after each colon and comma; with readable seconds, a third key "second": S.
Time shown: {"hour": 6, "minute": 10, "second": 0}
